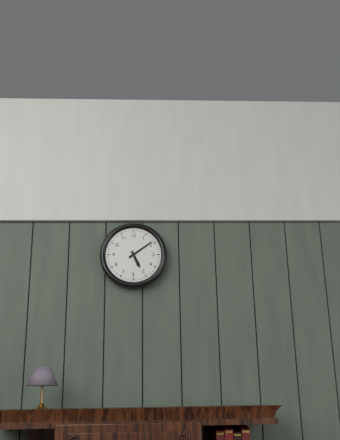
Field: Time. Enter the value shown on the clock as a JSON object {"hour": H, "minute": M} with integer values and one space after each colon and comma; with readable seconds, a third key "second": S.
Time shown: {"hour": 5, "minute": 9}
